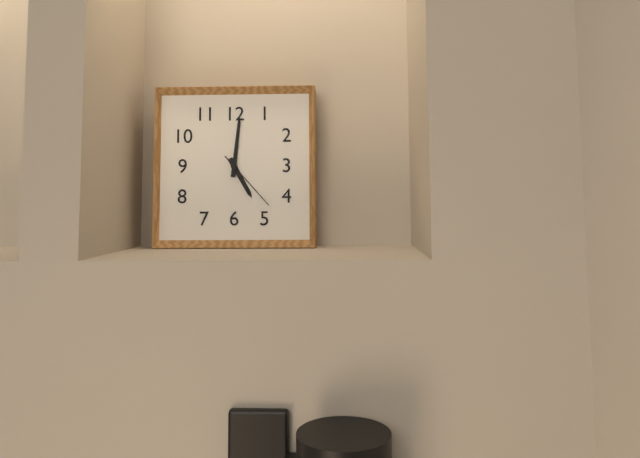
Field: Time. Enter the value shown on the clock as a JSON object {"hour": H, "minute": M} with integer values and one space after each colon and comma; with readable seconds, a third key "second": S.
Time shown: {"hour": 5, "minute": 1, "second": 23}
